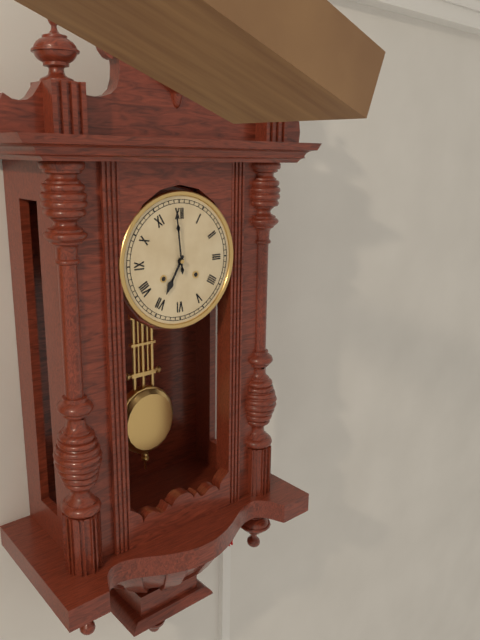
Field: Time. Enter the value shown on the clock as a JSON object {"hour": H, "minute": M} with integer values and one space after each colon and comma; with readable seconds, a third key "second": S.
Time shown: {"hour": 6, "minute": 59}
